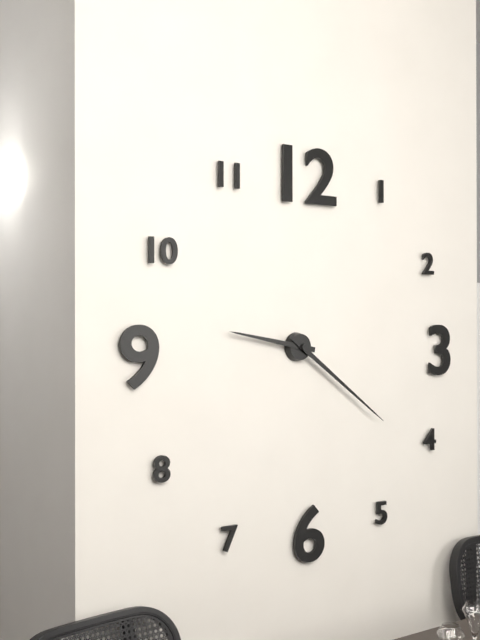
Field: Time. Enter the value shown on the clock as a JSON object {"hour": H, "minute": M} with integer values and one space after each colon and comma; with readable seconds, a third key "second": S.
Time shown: {"hour": 9, "minute": 21}
